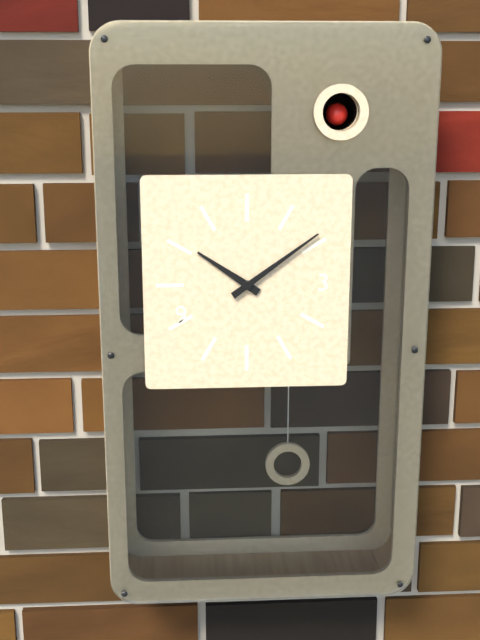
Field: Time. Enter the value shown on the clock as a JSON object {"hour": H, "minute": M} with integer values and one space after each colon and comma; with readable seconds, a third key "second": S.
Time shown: {"hour": 10, "minute": 9}
